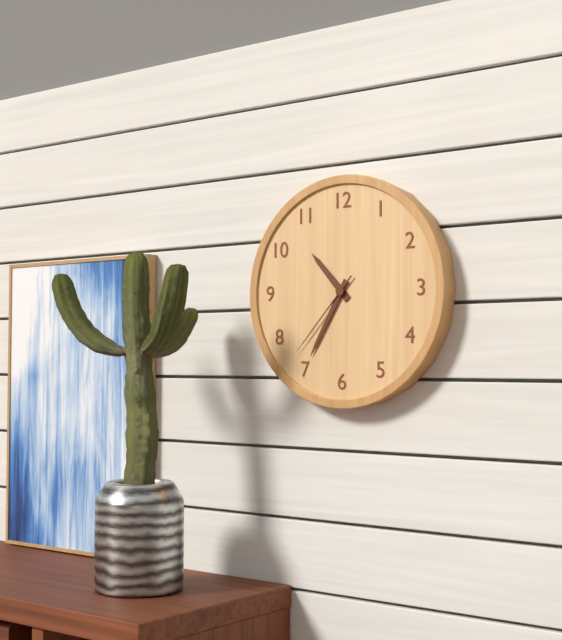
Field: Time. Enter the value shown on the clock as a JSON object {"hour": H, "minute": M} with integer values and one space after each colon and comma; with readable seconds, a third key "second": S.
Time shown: {"hour": 10, "minute": 35, "second": 37}
